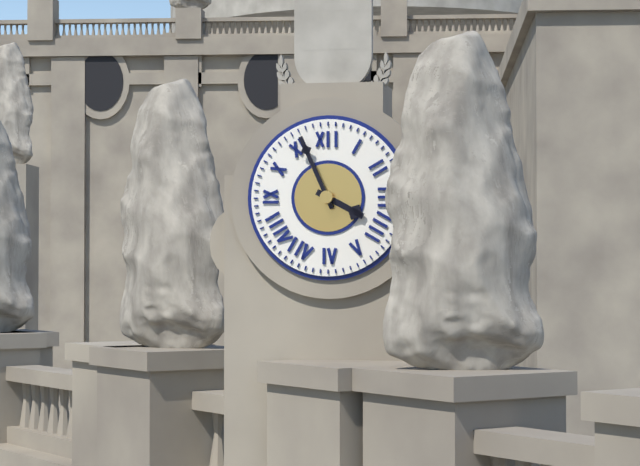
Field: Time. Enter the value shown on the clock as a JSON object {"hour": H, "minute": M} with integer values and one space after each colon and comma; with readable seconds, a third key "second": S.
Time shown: {"hour": 3, "minute": 56}
